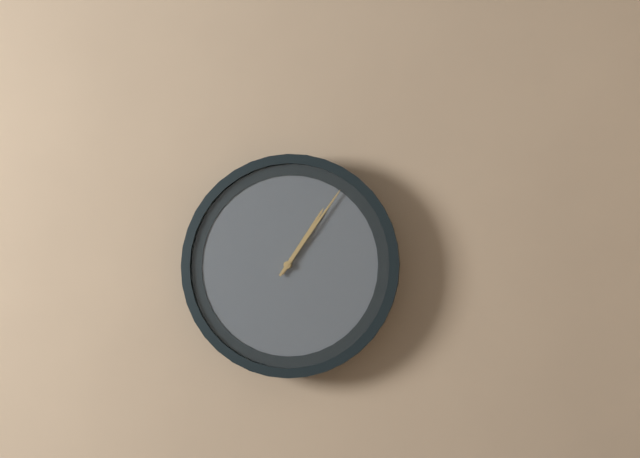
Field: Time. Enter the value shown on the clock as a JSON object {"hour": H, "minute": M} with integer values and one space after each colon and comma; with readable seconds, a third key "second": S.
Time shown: {"hour": 1, "minute": 6}
